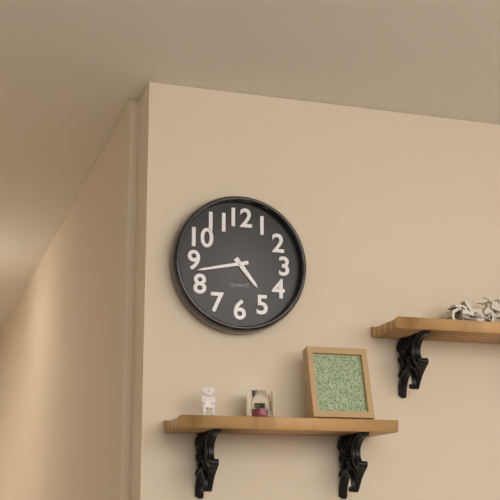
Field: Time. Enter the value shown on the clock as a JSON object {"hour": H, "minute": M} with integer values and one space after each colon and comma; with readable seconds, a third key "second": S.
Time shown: {"hour": 4, "minute": 43}
